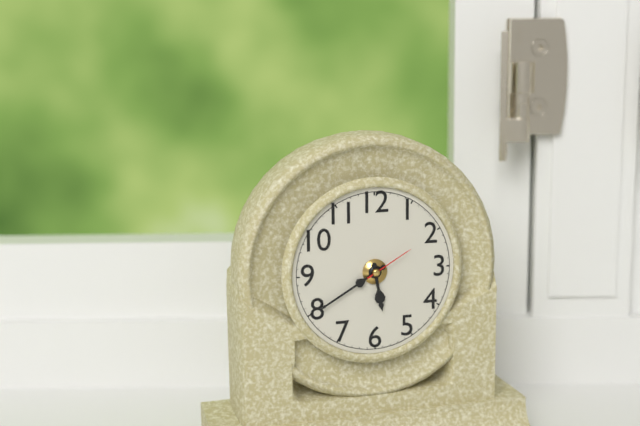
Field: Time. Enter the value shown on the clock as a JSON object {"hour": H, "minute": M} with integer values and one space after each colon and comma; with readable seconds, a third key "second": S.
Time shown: {"hour": 5, "minute": 40, "second": 10}
